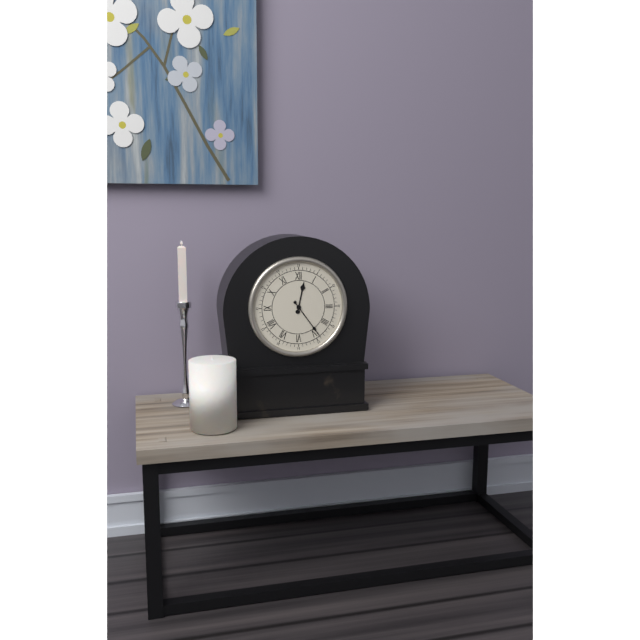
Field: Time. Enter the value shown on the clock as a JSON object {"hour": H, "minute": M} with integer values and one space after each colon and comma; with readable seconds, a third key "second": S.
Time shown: {"hour": 12, "minute": 24}
